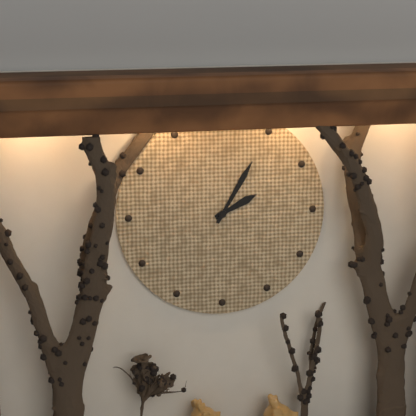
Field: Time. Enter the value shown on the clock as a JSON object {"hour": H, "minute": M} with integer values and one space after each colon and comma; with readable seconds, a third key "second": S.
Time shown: {"hour": 2, "minute": 5}
